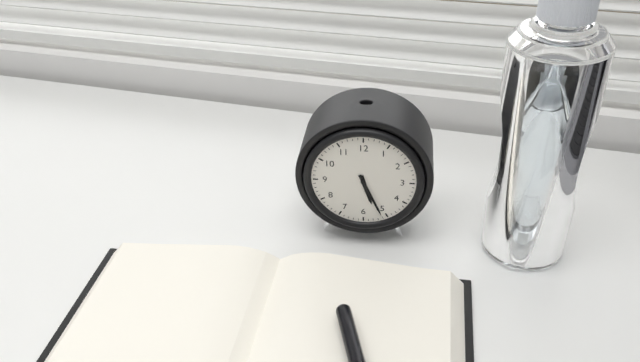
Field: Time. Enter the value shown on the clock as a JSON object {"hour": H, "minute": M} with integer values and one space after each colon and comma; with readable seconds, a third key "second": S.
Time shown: {"hour": 5, "minute": 26}
